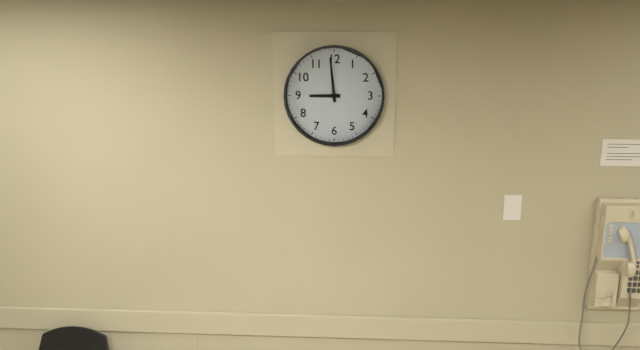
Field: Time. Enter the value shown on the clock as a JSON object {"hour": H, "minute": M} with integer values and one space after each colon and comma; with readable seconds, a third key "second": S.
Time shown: {"hour": 8, "minute": 59}
